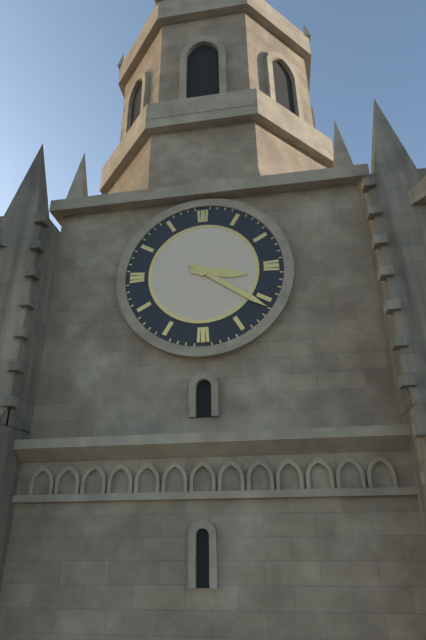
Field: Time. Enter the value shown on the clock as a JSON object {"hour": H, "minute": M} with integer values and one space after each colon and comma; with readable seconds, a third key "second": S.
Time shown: {"hour": 3, "minute": 21}
